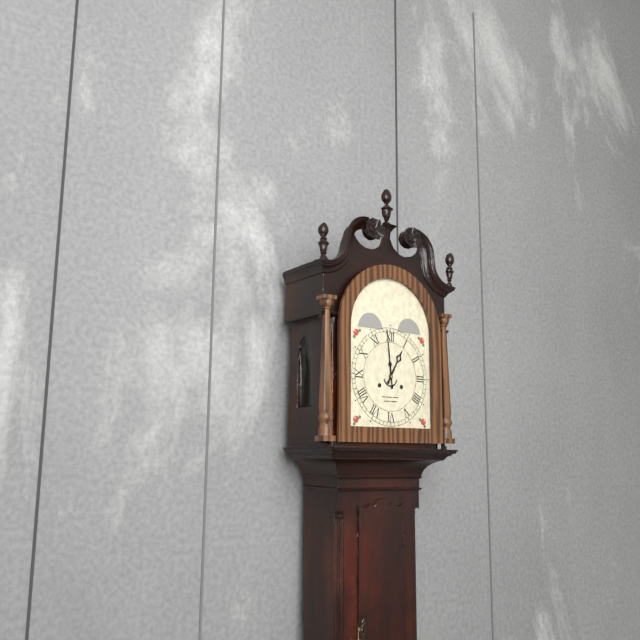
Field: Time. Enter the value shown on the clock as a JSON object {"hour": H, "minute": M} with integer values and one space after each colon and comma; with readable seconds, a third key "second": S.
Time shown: {"hour": 12, "minute": 59}
